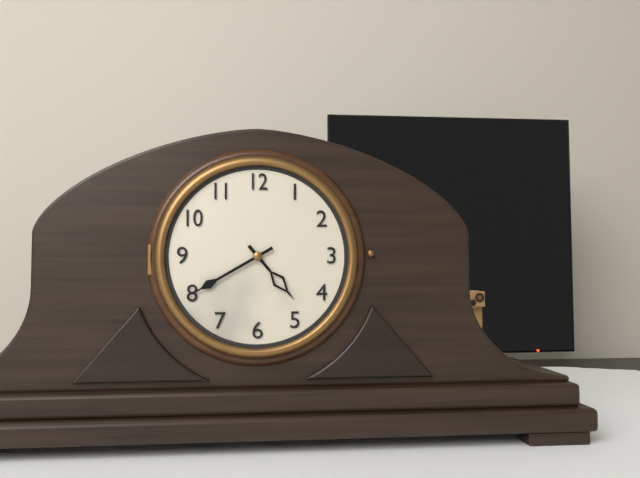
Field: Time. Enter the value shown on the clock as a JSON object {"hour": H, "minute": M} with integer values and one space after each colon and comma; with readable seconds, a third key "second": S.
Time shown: {"hour": 4, "minute": 40}
